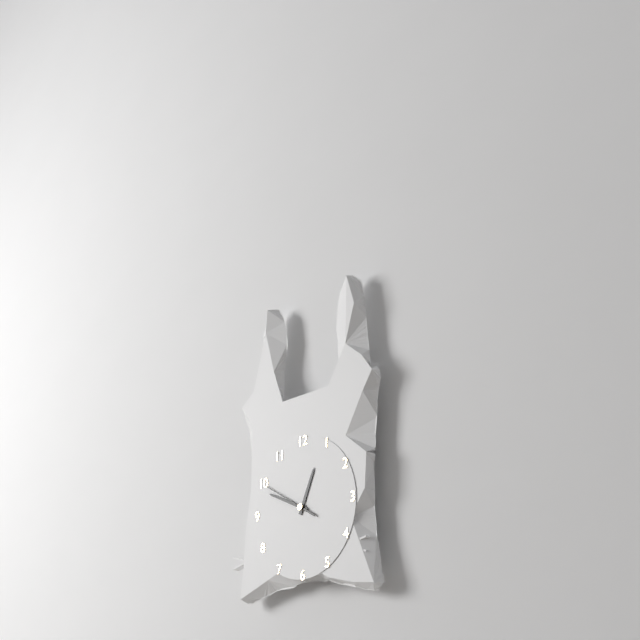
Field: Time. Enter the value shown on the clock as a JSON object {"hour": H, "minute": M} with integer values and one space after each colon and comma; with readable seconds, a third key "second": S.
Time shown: {"hour": 12, "minute": 49, "second": 50}
